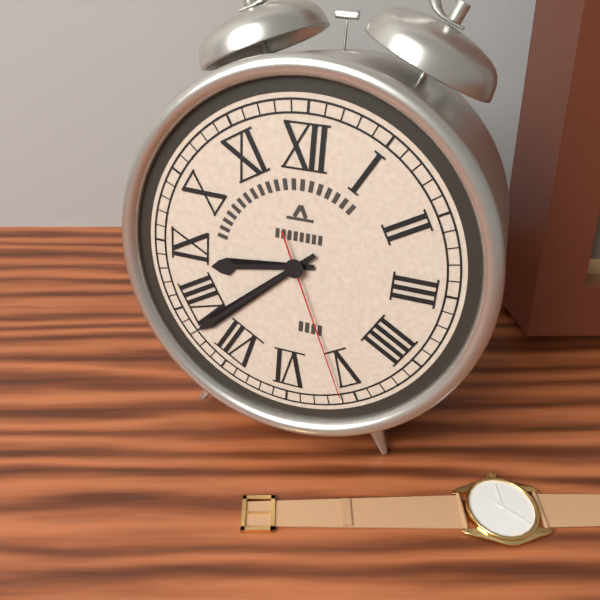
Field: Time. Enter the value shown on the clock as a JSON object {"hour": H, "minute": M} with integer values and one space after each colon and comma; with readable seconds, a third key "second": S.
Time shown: {"hour": 8, "minute": 38, "second": 26}
